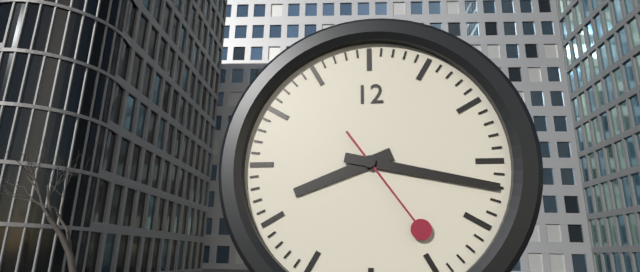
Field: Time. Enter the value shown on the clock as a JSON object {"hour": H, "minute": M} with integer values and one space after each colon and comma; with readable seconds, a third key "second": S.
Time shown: {"hour": 8, "minute": 17, "second": 24}
